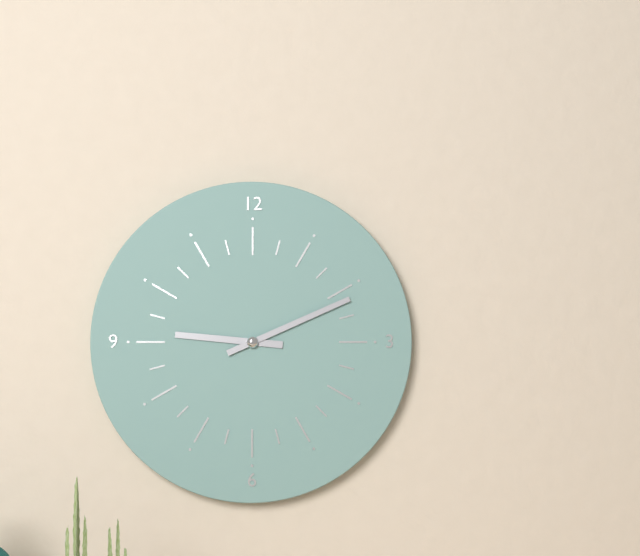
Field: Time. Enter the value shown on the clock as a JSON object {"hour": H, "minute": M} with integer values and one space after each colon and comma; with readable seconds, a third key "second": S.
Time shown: {"hour": 9, "minute": 11}
